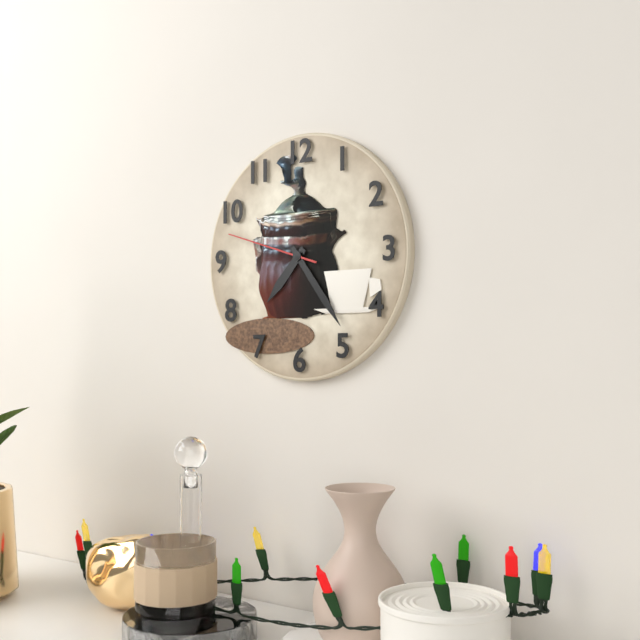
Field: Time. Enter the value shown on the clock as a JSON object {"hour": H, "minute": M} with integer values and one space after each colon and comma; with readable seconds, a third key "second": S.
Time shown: {"hour": 7, "minute": 24, "second": 48}
